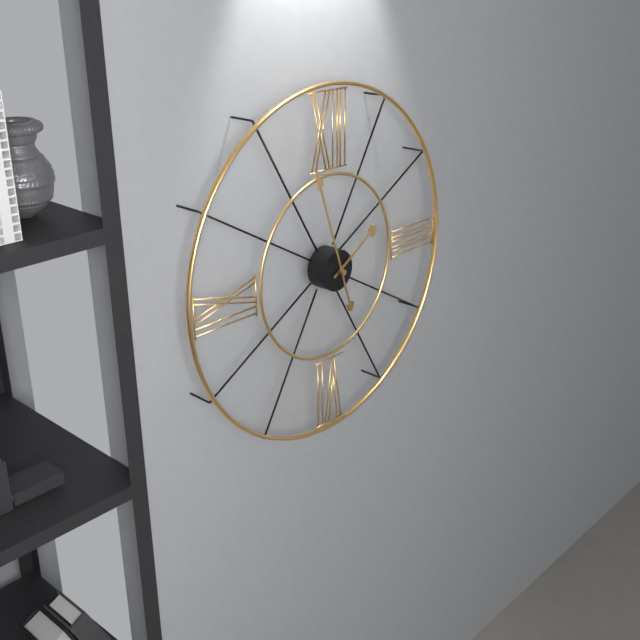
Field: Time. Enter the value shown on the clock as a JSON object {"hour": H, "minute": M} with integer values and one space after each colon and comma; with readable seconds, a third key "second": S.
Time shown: {"hour": 1, "minute": 57}
